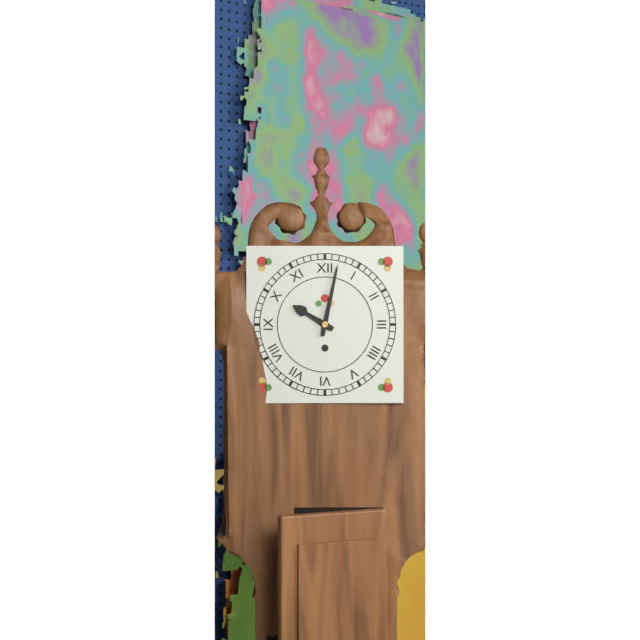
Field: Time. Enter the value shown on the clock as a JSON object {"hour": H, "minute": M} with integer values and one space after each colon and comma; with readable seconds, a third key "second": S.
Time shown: {"hour": 10, "minute": 2}
